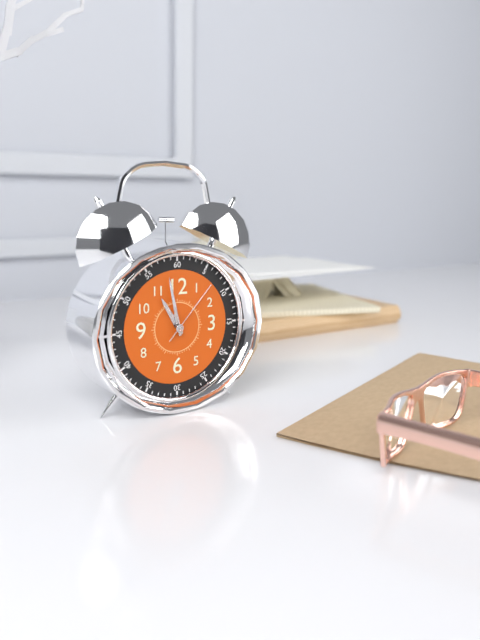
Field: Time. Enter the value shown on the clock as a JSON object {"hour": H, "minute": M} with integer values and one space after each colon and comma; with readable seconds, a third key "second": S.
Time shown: {"hour": 10, "minute": 58, "second": 7}
